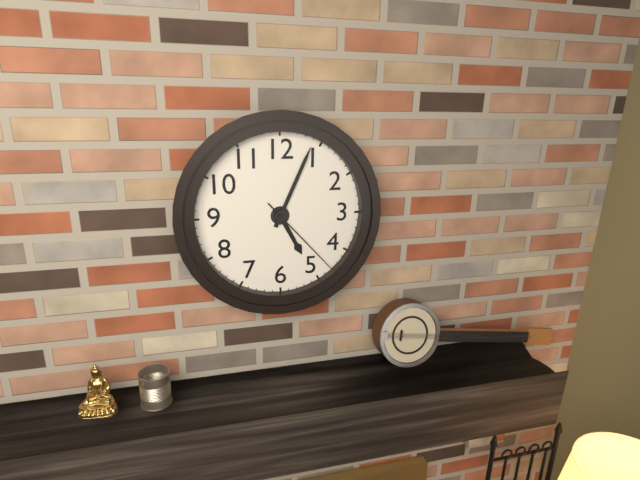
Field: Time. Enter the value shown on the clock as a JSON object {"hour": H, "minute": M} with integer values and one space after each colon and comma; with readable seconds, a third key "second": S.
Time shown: {"hour": 5, "minute": 4, "second": 23}
